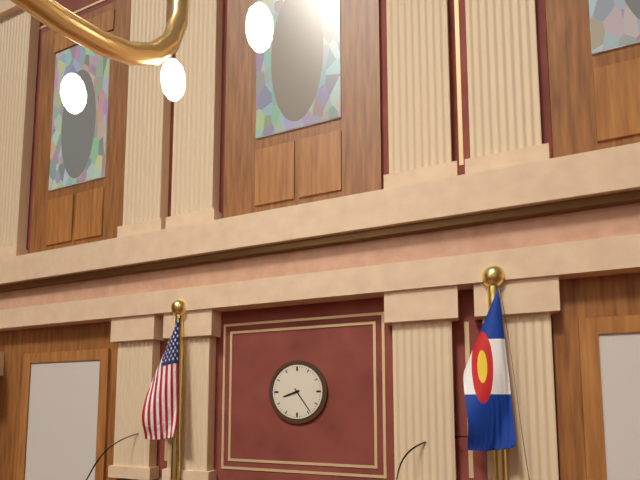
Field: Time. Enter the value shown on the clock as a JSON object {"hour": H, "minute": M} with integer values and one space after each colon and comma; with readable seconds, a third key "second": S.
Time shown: {"hour": 8, "minute": 24}
